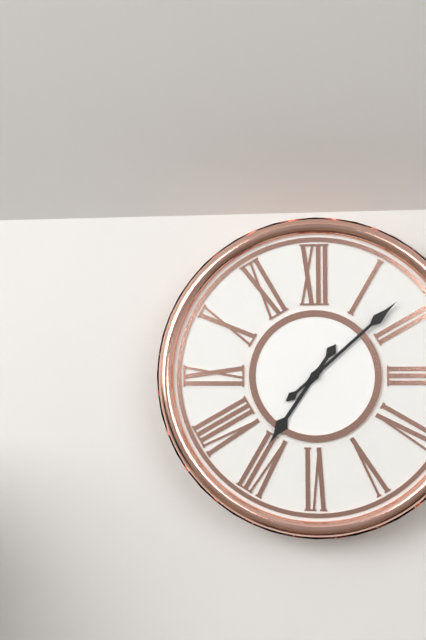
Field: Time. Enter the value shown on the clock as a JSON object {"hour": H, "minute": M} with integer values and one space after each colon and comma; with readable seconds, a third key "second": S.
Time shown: {"hour": 7, "minute": 8}
